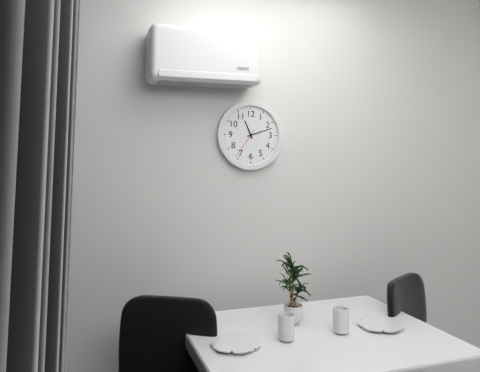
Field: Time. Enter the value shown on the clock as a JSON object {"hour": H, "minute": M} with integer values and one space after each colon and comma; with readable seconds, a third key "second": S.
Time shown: {"hour": 11, "minute": 12}
